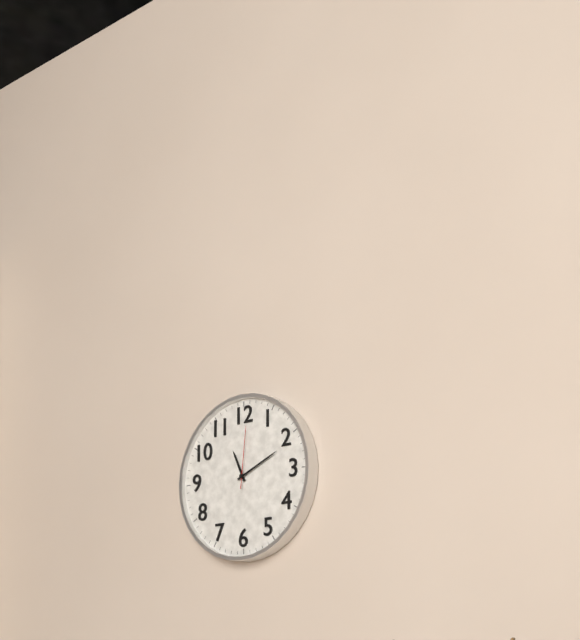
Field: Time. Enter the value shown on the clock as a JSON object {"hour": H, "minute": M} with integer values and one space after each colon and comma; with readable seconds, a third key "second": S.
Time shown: {"hour": 11, "minute": 11, "second": 1}
